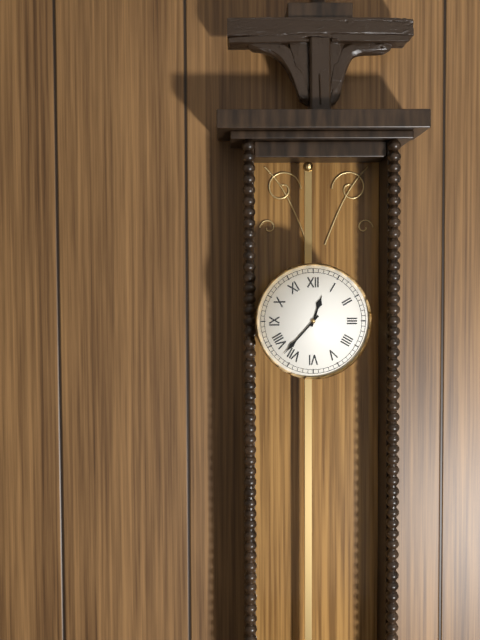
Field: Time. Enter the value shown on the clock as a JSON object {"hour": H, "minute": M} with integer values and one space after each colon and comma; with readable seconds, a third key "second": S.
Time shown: {"hour": 12, "minute": 37}
